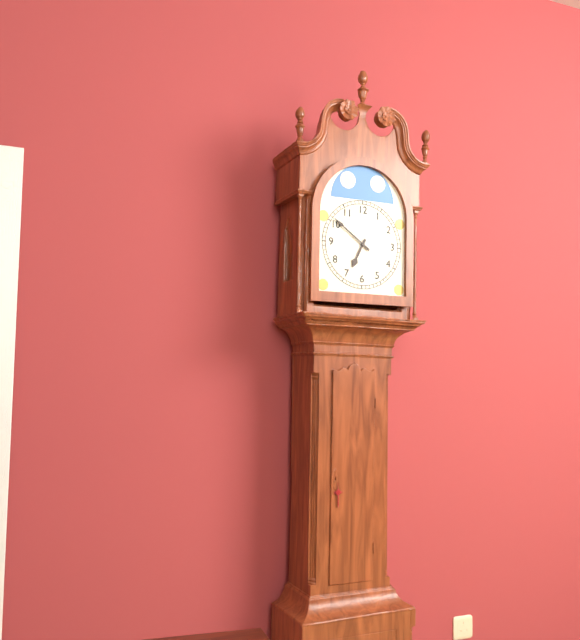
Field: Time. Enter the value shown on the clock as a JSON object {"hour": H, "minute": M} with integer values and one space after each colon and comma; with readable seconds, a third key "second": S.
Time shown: {"hour": 6, "minute": 51}
